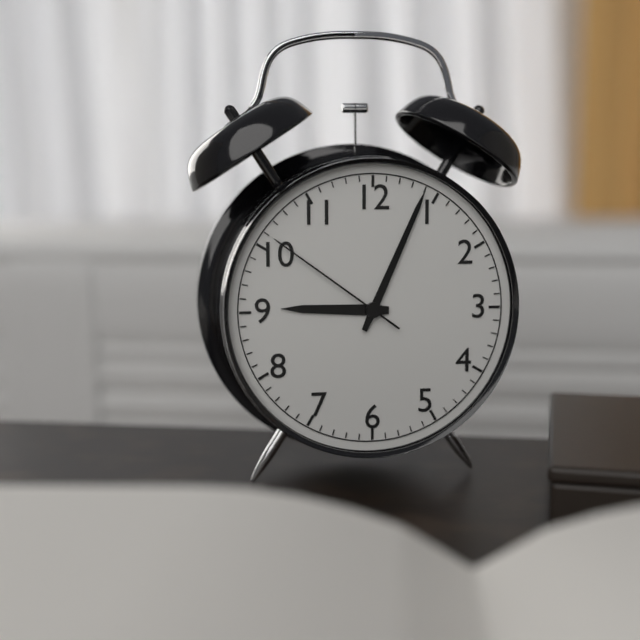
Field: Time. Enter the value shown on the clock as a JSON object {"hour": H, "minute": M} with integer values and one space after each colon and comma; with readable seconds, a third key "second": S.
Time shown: {"hour": 9, "minute": 4, "second": 51}
